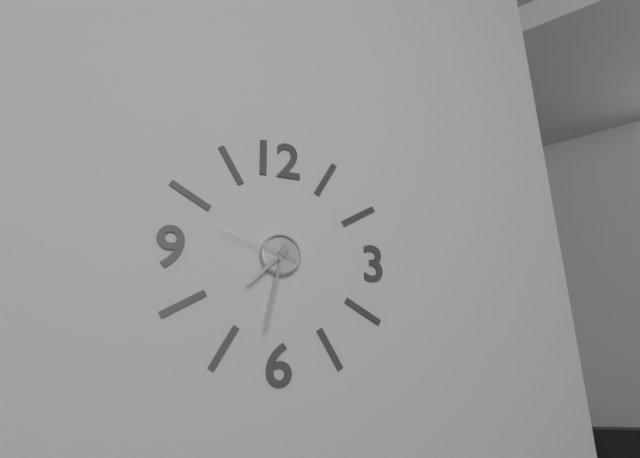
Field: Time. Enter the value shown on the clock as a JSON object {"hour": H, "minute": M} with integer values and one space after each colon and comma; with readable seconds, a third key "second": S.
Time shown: {"hour": 7, "minute": 32, "second": 48}
